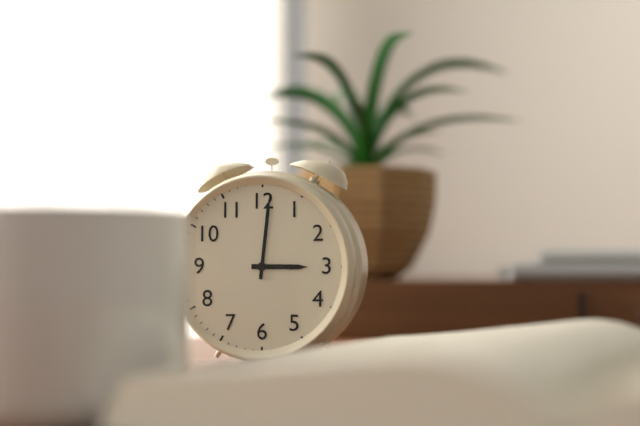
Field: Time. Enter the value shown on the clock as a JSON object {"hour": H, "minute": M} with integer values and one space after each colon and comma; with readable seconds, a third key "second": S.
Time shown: {"hour": 3, "minute": 1}
